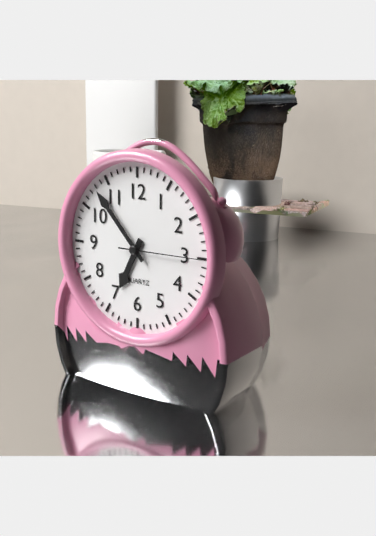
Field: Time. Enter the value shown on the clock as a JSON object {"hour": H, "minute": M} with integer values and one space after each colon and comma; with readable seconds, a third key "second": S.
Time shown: {"hour": 6, "minute": 53, "second": 15}
